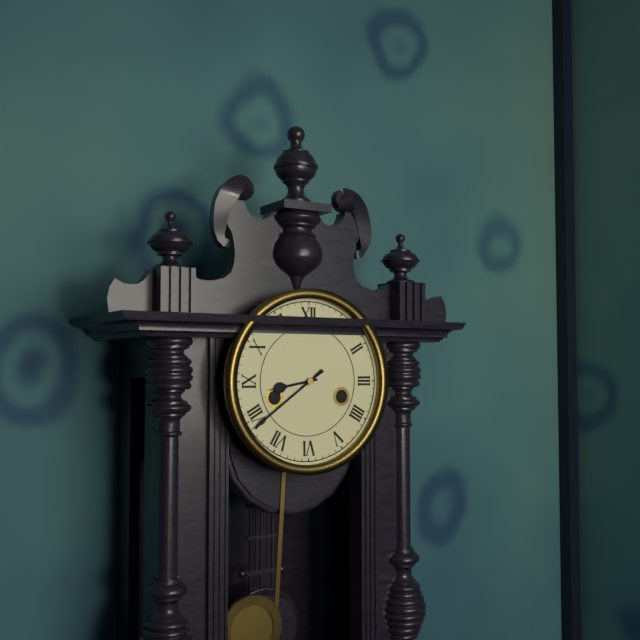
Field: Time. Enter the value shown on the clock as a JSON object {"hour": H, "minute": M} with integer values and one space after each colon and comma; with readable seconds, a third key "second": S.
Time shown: {"hour": 8, "minute": 39}
